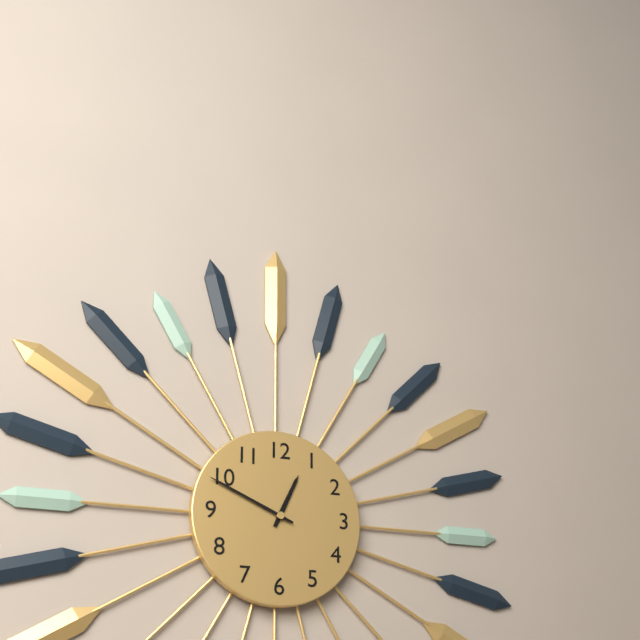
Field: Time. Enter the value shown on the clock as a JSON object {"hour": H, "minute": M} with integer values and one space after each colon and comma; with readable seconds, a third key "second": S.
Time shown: {"hour": 12, "minute": 49}
